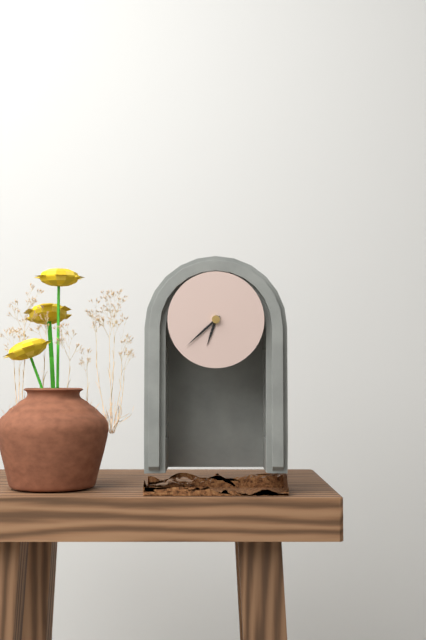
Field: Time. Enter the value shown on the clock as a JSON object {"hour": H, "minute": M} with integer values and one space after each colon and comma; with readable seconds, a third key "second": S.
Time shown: {"hour": 6, "minute": 38}
